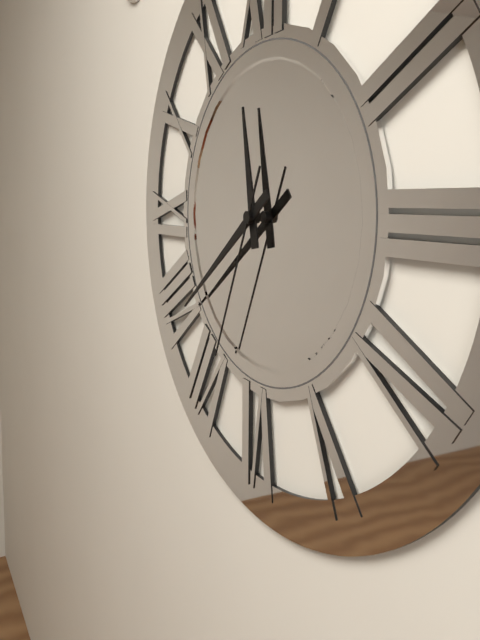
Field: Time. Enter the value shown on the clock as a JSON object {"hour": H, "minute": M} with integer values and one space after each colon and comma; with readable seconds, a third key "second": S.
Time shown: {"hour": 11, "minute": 39, "second": 34}
